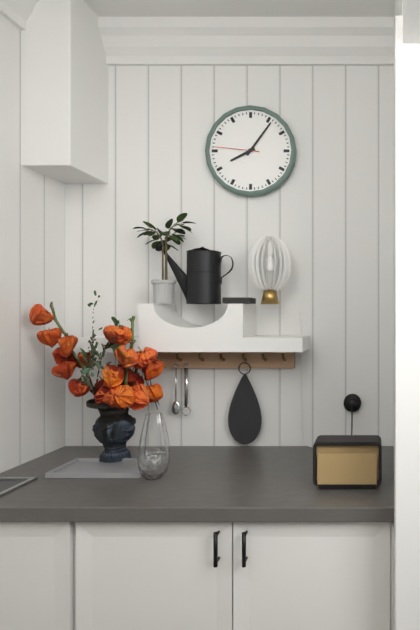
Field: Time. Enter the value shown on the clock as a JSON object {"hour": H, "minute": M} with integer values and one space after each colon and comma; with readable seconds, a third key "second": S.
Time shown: {"hour": 8, "minute": 6}
